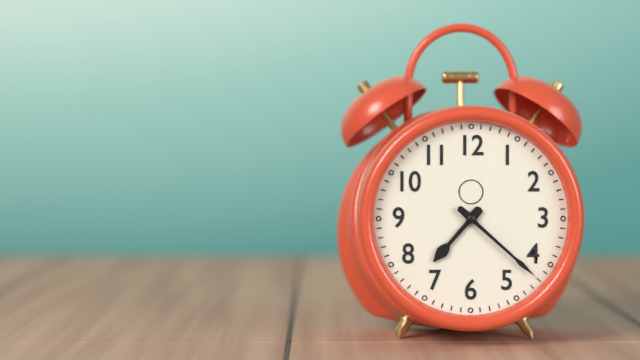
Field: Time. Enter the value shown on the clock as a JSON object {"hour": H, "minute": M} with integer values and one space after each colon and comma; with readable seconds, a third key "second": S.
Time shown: {"hour": 7, "minute": 22}
